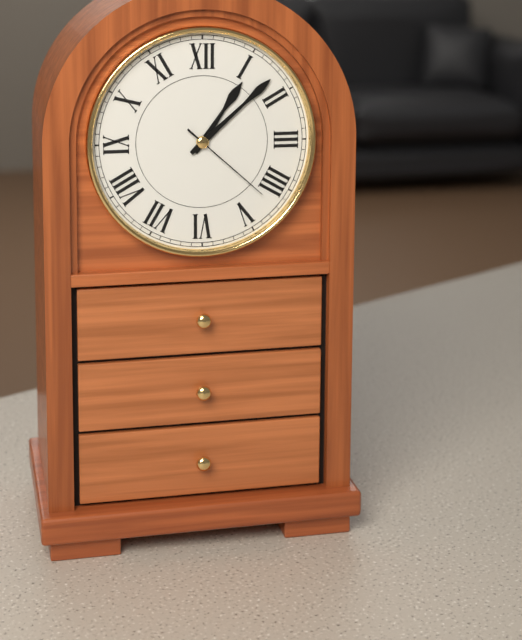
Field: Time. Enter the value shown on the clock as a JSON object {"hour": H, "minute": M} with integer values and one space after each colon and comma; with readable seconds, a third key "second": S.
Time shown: {"hour": 1, "minute": 8, "second": 22}
